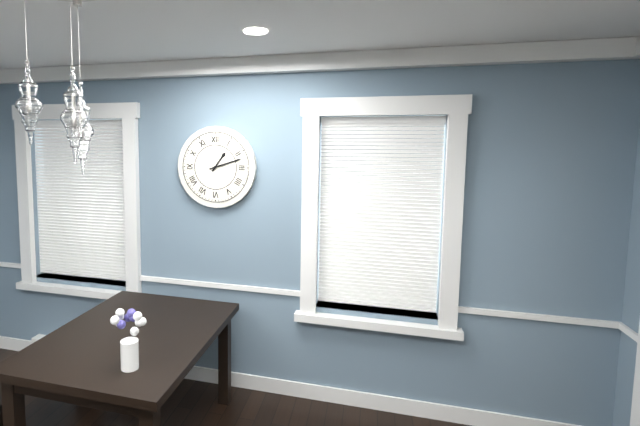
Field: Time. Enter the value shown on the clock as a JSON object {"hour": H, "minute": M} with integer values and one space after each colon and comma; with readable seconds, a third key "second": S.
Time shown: {"hour": 1, "minute": 12}
